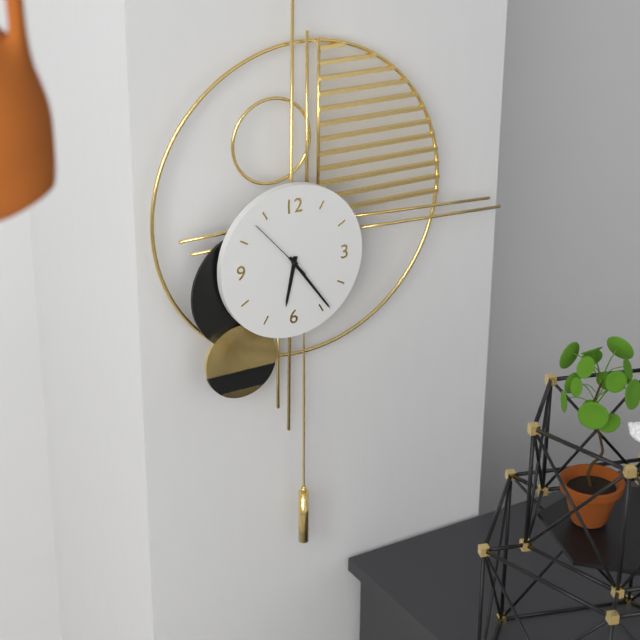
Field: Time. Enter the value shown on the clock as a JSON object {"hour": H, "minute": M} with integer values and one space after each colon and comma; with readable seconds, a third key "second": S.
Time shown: {"hour": 6, "minute": 24, "second": 53}
